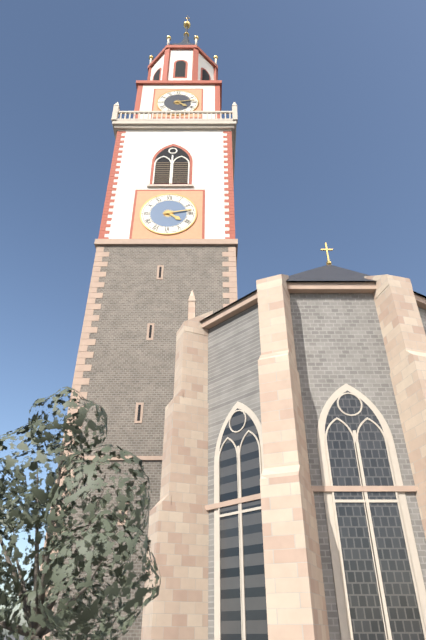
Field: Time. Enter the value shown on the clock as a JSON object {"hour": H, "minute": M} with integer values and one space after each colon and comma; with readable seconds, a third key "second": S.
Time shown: {"hour": 4, "minute": 13}
